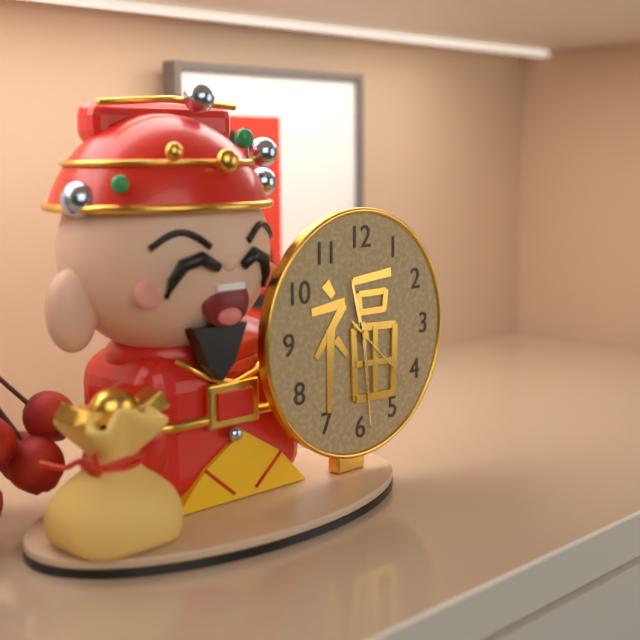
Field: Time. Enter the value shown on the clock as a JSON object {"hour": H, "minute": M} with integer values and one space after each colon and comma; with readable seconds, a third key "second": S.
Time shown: {"hour": 11, "minute": 29, "second": 22}
